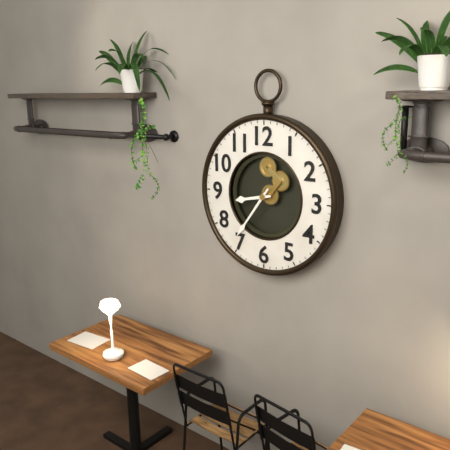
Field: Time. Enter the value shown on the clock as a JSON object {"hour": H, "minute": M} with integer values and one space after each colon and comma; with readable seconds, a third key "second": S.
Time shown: {"hour": 8, "minute": 36}
